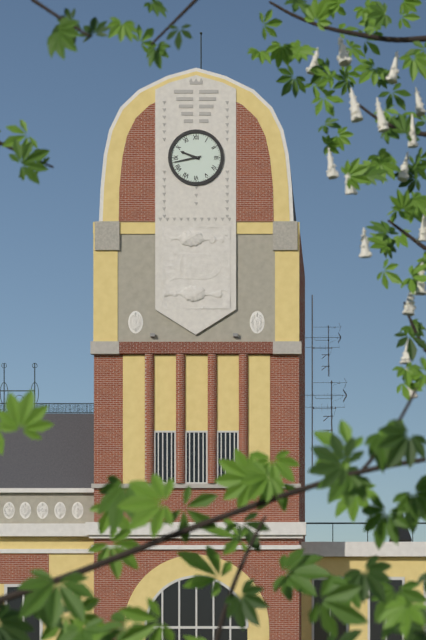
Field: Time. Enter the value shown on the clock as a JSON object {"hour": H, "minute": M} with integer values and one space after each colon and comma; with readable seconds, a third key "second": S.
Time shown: {"hour": 9, "minute": 43}
